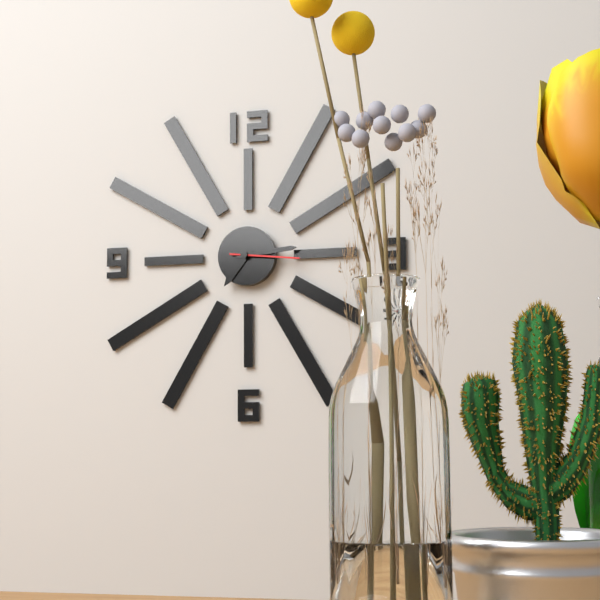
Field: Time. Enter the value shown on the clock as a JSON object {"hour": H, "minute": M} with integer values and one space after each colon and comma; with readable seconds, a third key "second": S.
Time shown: {"hour": 7, "minute": 14, "second": 16}
